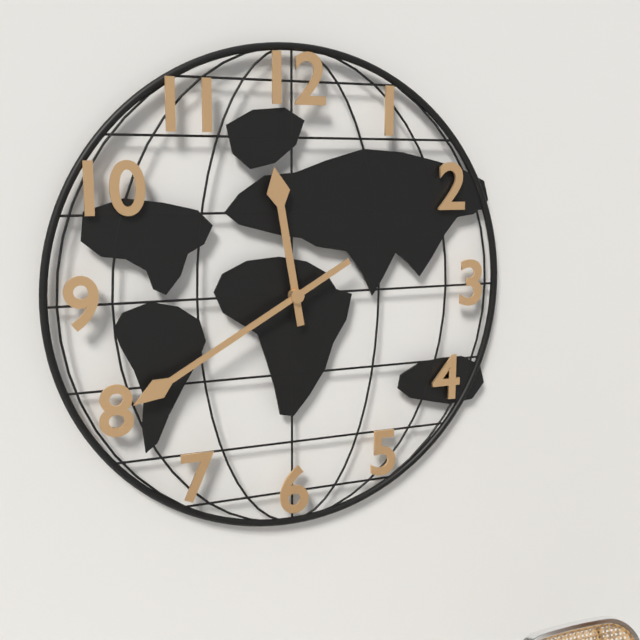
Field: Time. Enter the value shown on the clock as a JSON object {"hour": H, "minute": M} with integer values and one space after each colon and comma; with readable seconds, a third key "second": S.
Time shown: {"hour": 11, "minute": 40}
